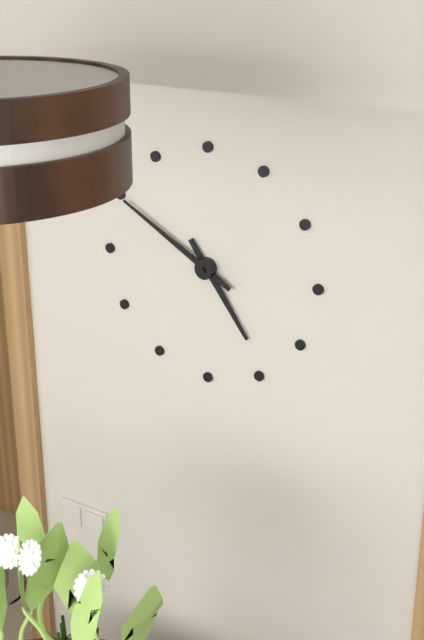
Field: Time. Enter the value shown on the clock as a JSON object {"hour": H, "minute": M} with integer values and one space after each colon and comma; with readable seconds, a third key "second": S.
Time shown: {"hour": 4, "minute": 50}
